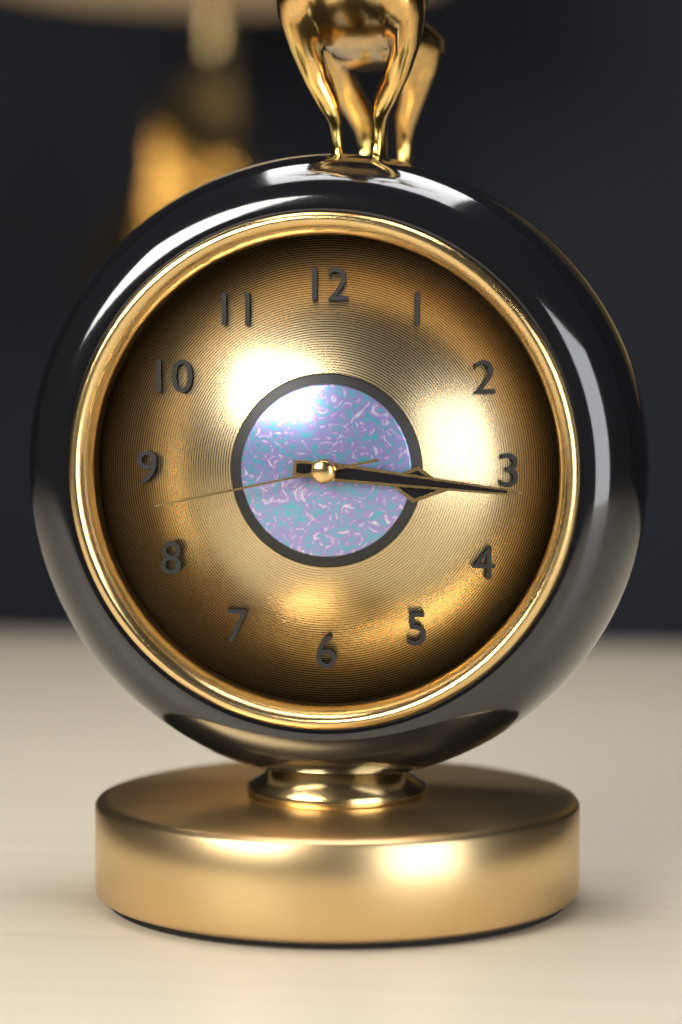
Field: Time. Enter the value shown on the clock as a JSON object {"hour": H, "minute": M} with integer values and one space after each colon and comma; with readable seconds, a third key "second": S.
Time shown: {"hour": 3, "minute": 16, "second": 43}
